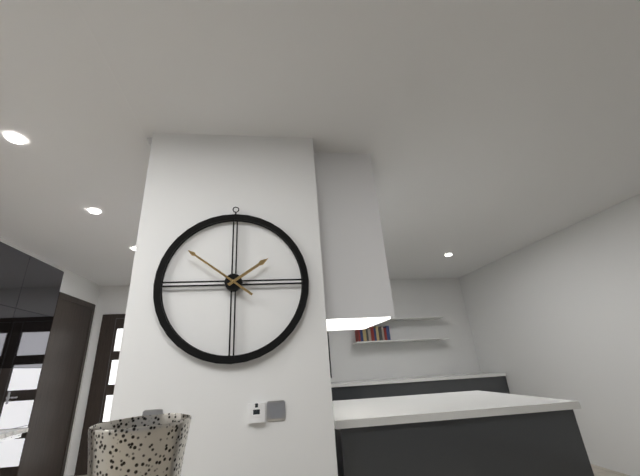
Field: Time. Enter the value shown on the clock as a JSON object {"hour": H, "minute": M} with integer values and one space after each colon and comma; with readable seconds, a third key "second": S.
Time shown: {"hour": 1, "minute": 51}
